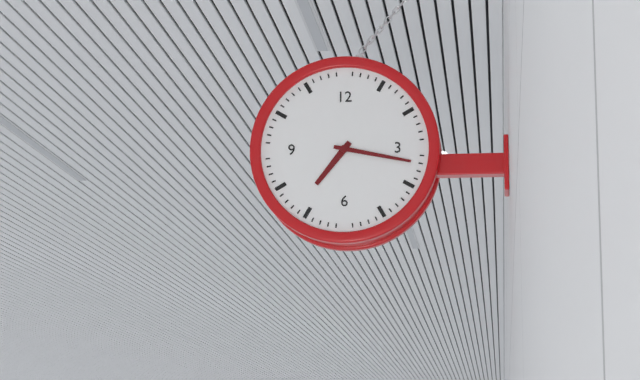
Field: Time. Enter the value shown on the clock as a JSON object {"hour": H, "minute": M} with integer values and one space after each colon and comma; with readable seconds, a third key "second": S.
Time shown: {"hour": 7, "minute": 17}
